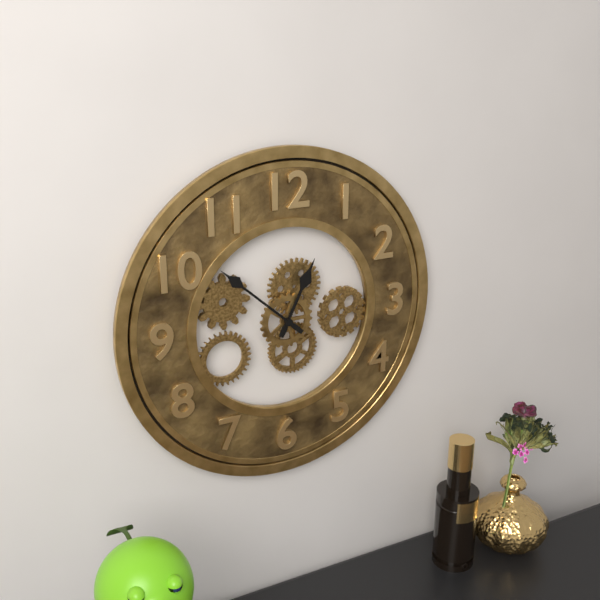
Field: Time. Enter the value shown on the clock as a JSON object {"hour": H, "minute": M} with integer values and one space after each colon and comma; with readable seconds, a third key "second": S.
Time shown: {"hour": 12, "minute": 52}
